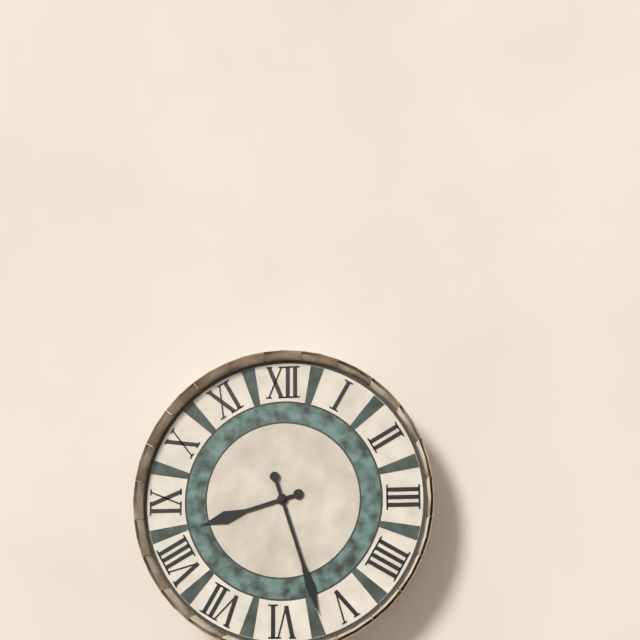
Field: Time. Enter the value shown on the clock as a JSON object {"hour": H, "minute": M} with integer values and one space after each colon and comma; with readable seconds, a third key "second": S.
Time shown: {"hour": 8, "minute": 27}
